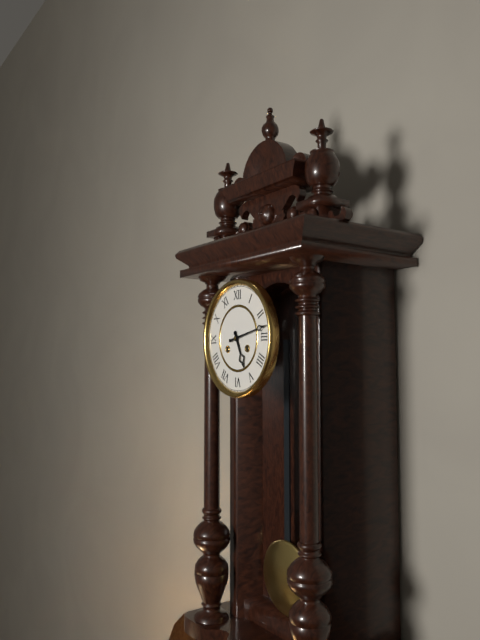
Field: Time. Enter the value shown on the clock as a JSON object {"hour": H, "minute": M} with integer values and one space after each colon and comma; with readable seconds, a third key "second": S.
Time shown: {"hour": 5, "minute": 13}
